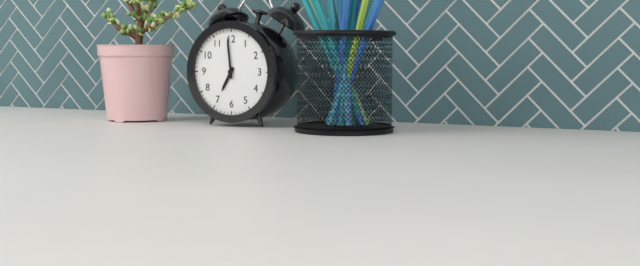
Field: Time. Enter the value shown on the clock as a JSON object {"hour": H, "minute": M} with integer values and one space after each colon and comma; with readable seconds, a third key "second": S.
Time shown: {"hour": 6, "minute": 59}
